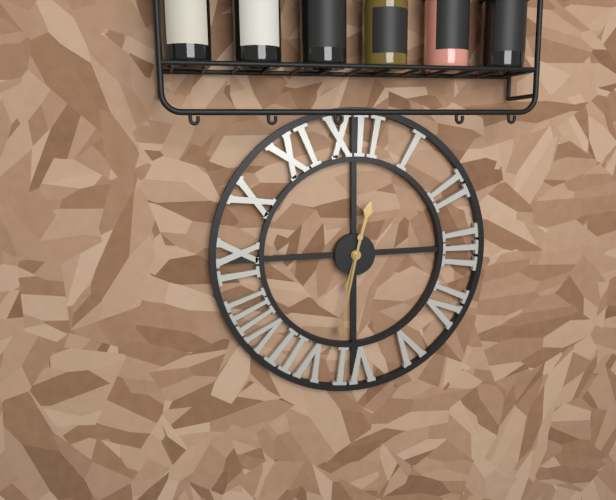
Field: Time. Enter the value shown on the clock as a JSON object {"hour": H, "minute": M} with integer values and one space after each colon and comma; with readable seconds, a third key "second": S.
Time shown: {"hour": 12, "minute": 32}
